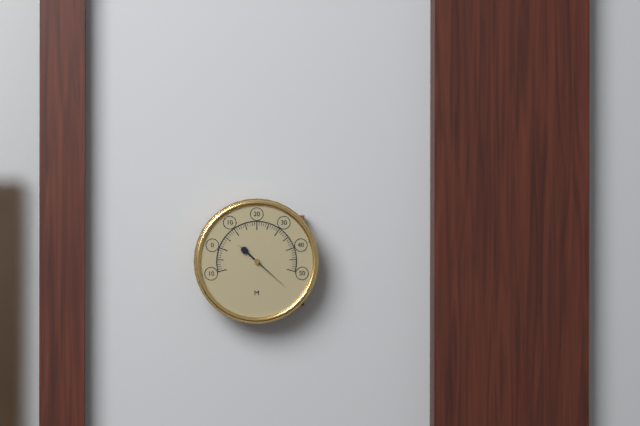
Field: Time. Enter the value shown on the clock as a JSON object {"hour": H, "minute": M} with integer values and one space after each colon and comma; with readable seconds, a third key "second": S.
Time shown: {"hour": 10, "minute": 22}
